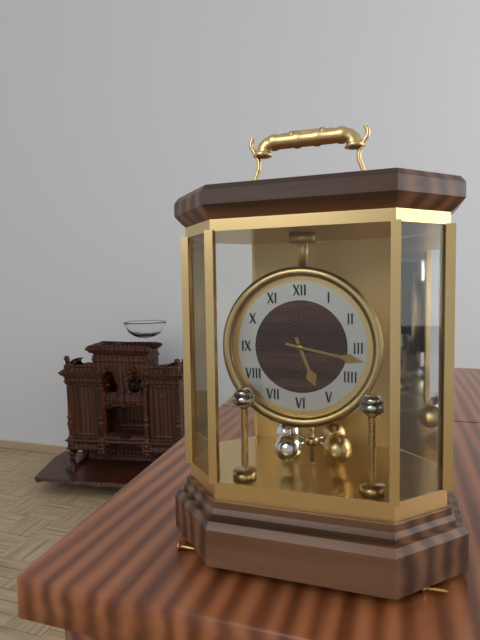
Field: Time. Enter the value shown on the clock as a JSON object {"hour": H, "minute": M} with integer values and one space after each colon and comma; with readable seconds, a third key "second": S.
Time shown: {"hour": 5, "minute": 17}
